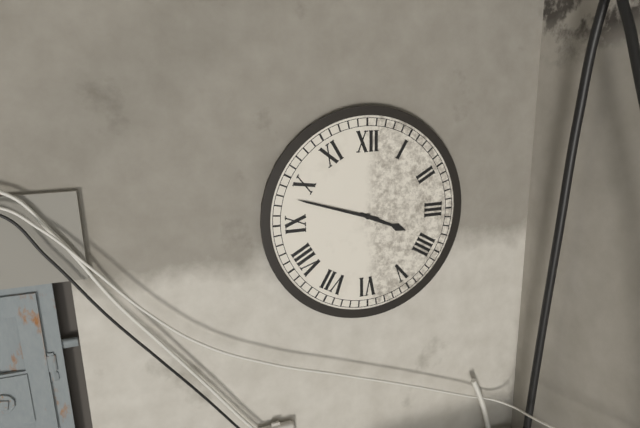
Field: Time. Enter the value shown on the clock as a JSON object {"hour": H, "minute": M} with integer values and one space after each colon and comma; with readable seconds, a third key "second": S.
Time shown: {"hour": 3, "minute": 48}
